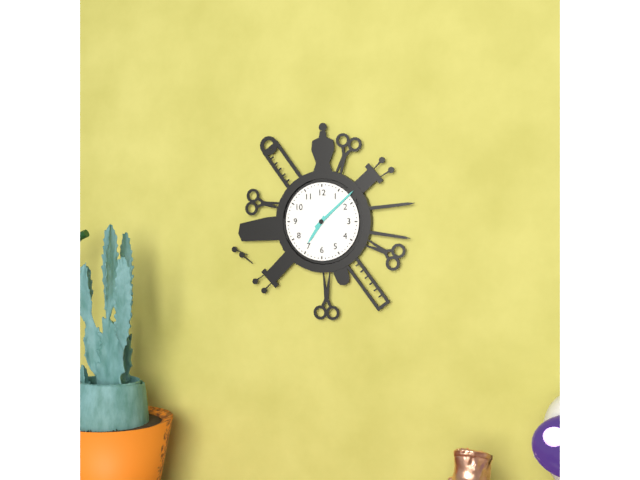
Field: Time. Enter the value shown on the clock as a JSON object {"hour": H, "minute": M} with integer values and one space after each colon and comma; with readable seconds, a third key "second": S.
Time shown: {"hour": 7, "minute": 8}
